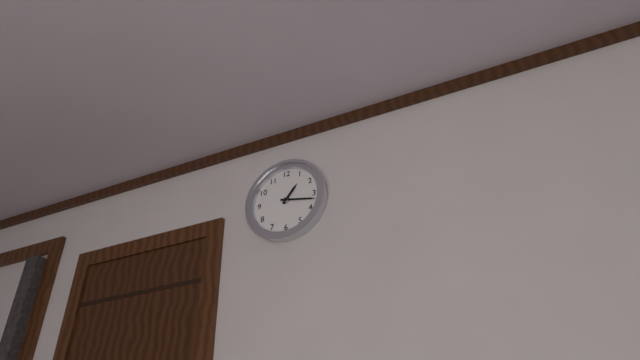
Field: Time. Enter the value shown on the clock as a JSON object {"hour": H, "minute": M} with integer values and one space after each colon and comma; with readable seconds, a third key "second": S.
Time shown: {"hour": 1, "minute": 17}
